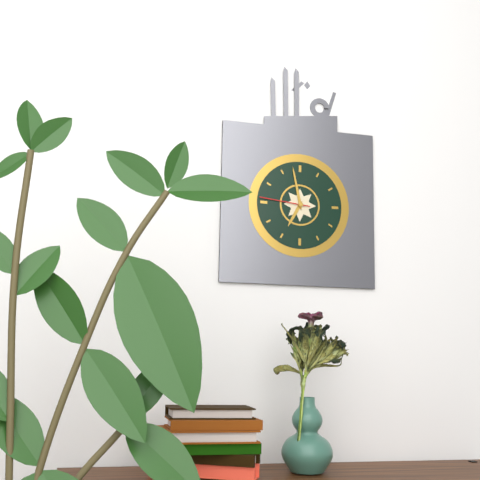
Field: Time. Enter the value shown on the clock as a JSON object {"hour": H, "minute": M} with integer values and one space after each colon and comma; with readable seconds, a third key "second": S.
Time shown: {"hour": 6, "minute": 58, "second": 46}
